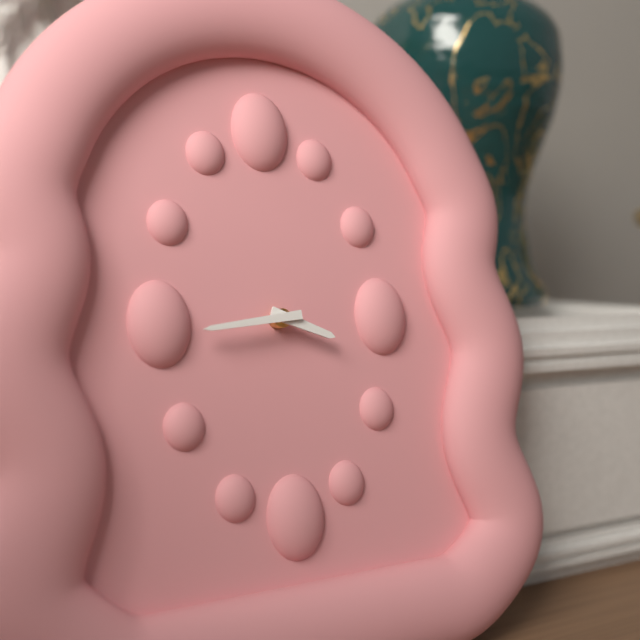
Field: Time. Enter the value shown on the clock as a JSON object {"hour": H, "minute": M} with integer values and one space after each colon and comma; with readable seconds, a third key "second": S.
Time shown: {"hour": 3, "minute": 44}
